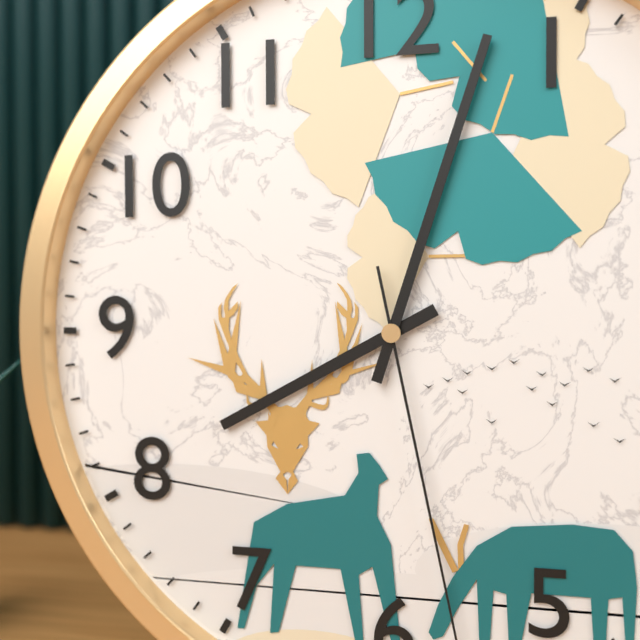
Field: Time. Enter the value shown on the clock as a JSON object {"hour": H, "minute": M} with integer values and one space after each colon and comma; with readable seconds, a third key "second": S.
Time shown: {"hour": 8, "minute": 3}
